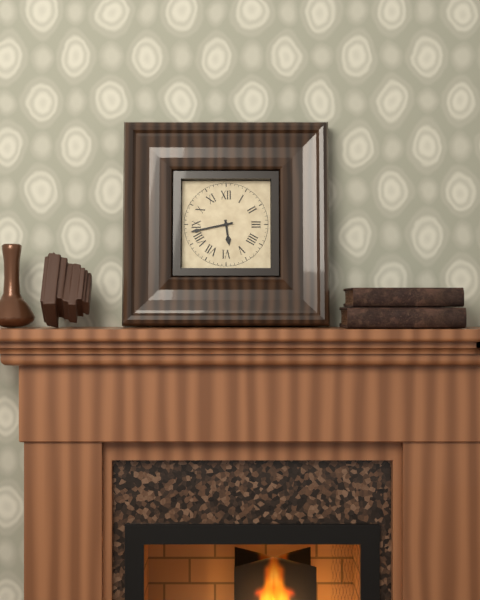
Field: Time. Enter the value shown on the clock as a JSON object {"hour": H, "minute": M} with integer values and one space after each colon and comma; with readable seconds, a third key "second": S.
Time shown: {"hour": 5, "minute": 43}
